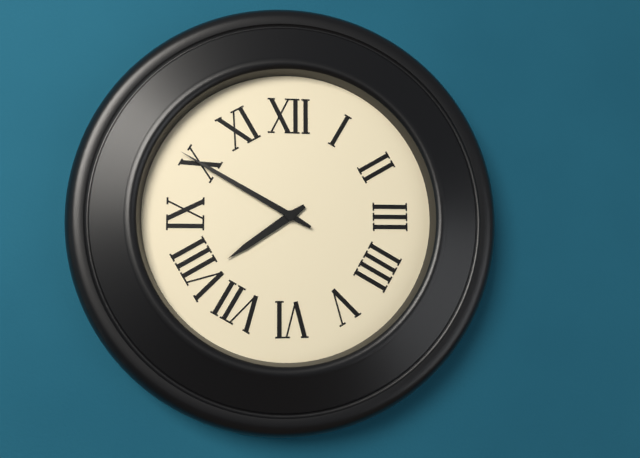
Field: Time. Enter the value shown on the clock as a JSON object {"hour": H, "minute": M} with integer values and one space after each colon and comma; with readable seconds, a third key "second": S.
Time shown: {"hour": 7, "minute": 50}
